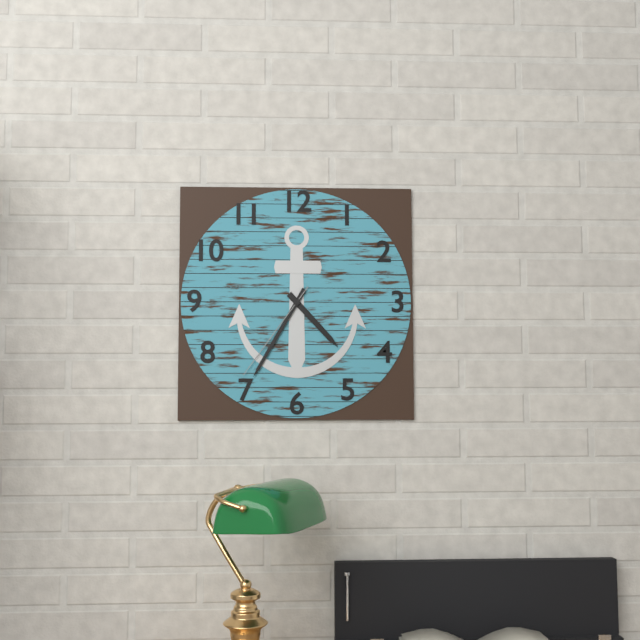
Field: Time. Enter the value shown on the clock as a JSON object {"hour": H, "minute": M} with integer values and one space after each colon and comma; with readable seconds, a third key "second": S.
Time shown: {"hour": 4, "minute": 35, "second": 36}
